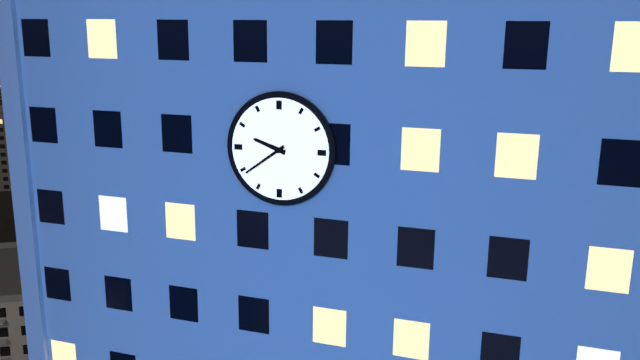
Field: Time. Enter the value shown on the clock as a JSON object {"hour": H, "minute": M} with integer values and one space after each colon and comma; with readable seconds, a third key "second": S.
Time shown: {"hour": 9, "minute": 39}
